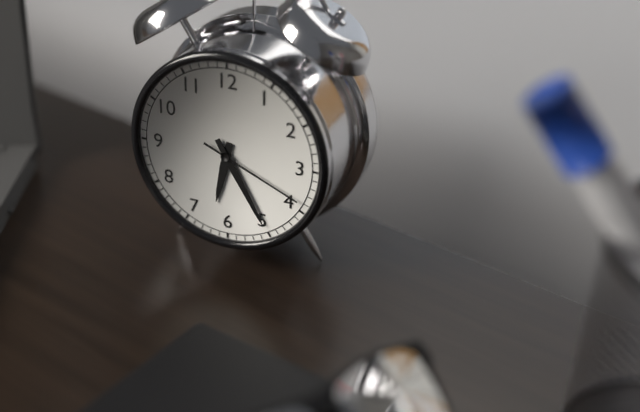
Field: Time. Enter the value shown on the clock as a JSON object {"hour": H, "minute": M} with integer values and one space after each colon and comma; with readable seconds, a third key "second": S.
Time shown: {"hour": 6, "minute": 25, "second": 19}
